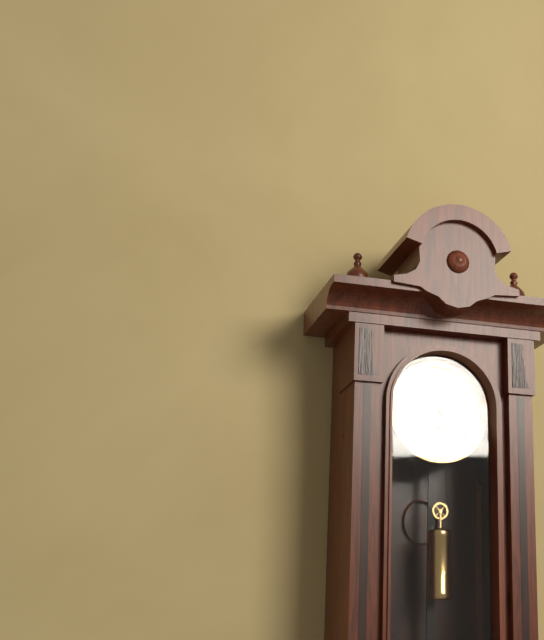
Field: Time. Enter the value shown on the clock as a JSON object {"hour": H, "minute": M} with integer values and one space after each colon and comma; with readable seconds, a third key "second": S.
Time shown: {"hour": 12, "minute": 22}
